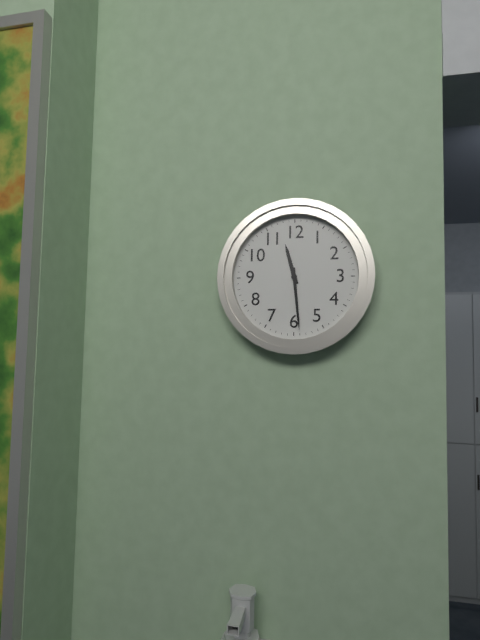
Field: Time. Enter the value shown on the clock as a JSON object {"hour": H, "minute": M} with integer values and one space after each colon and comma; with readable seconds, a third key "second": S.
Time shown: {"hour": 11, "minute": 29}
